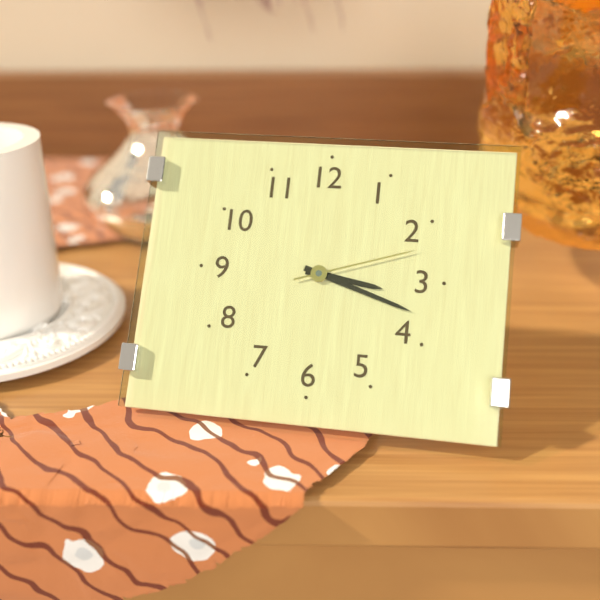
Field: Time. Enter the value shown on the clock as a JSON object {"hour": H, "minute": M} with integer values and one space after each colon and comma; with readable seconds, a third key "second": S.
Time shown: {"hour": 3, "minute": 18, "second": 12}
